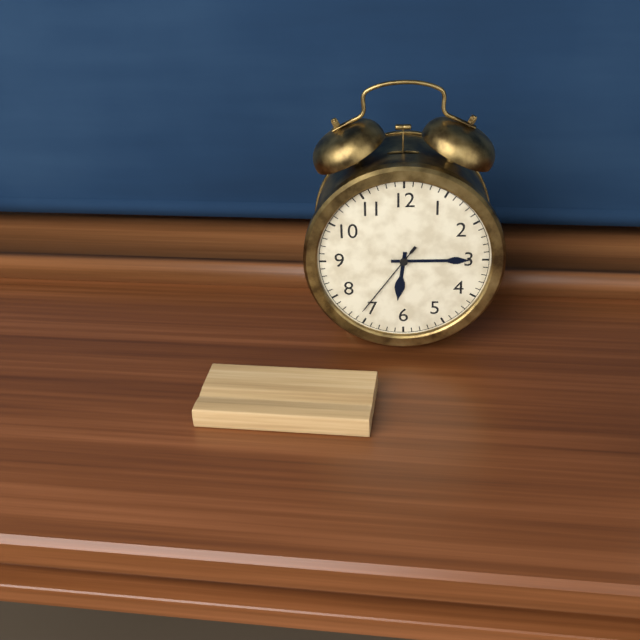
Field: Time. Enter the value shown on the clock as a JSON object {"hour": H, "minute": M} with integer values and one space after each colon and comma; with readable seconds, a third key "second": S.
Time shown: {"hour": 6, "minute": 15, "second": 36}
